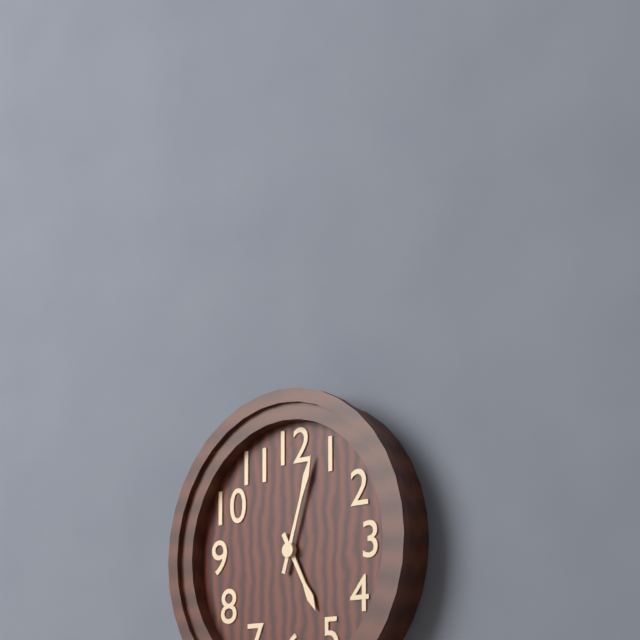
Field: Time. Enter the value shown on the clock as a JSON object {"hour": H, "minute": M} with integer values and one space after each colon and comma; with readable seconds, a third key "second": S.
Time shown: {"hour": 5, "minute": 3}
